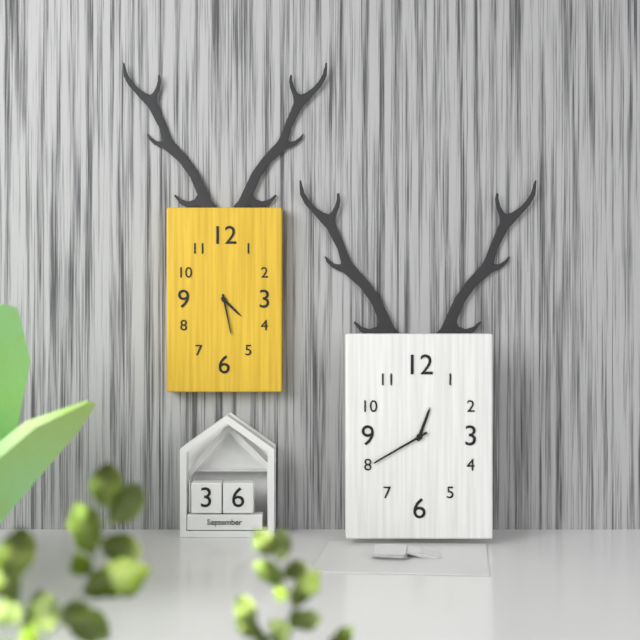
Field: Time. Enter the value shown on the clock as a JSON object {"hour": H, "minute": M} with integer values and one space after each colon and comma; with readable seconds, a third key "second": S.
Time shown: {"hour": 4, "minute": 28}
